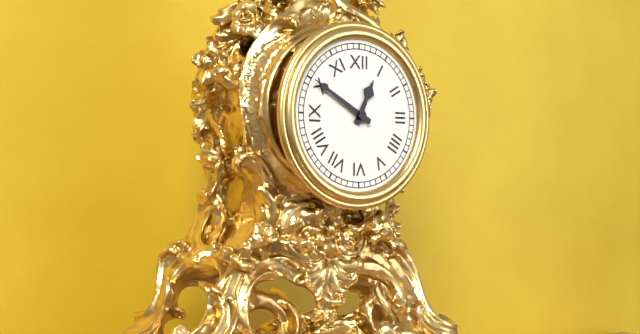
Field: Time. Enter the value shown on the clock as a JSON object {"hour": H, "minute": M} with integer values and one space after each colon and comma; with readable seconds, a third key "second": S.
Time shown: {"hour": 12, "minute": 50}
